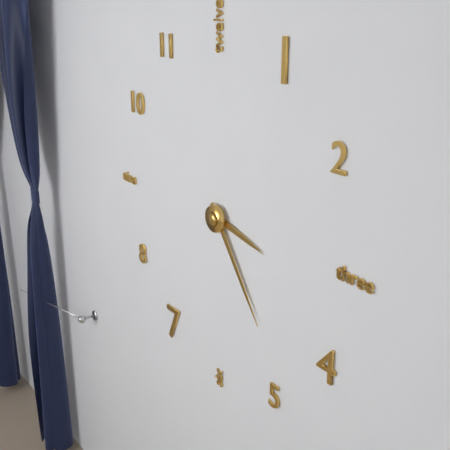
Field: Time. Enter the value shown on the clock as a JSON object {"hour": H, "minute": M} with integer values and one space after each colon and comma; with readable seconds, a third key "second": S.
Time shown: {"hour": 3, "minute": 24}
